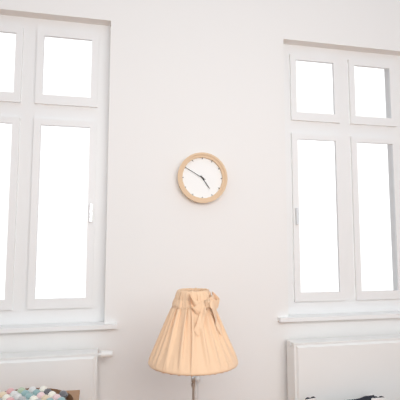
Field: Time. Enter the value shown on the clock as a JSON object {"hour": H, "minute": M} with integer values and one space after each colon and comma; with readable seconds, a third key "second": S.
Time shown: {"hour": 4, "minute": 50}
